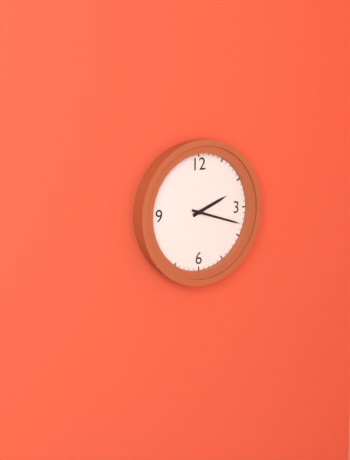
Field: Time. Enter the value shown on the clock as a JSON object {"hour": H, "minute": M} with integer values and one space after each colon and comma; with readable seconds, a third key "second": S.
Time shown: {"hour": 2, "minute": 18}
